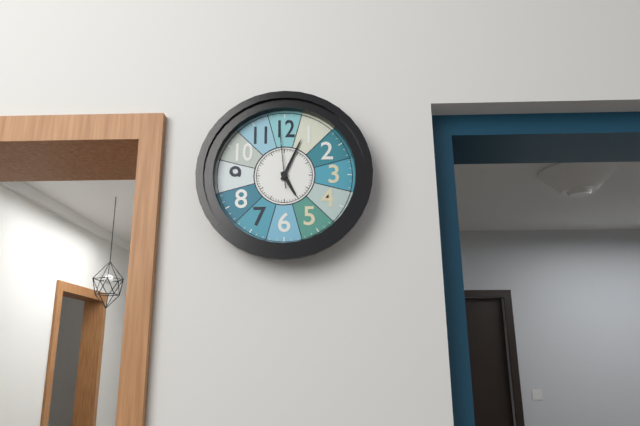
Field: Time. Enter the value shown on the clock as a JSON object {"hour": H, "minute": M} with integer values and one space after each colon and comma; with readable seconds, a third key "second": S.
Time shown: {"hour": 5, "minute": 4, "second": 59}
